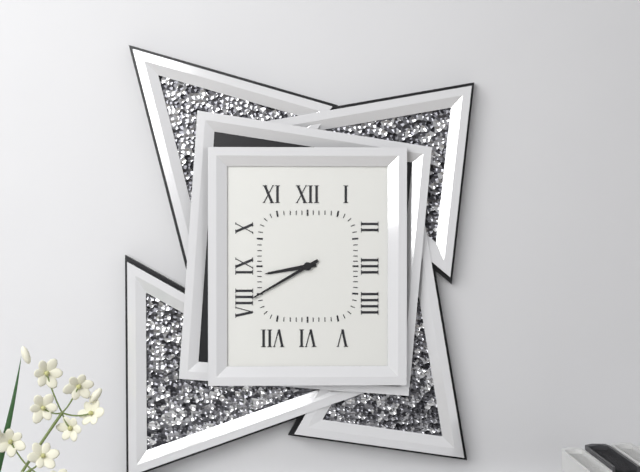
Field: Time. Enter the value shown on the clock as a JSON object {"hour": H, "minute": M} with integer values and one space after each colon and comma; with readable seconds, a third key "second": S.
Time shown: {"hour": 8, "minute": 40}
